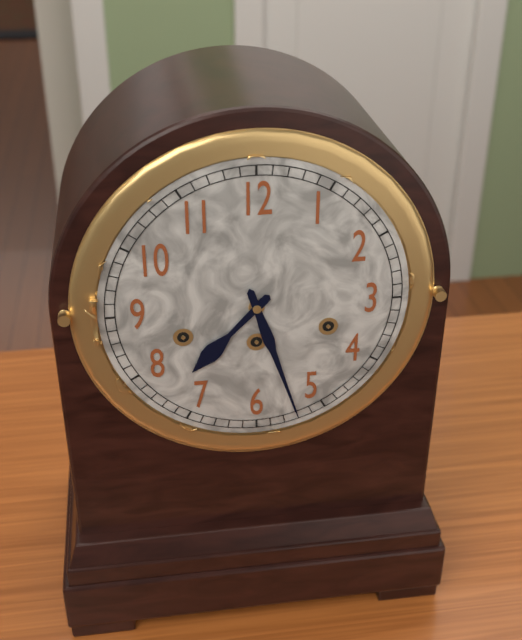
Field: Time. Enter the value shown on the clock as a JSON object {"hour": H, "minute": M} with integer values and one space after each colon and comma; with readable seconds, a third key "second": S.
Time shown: {"hour": 7, "minute": 27}
